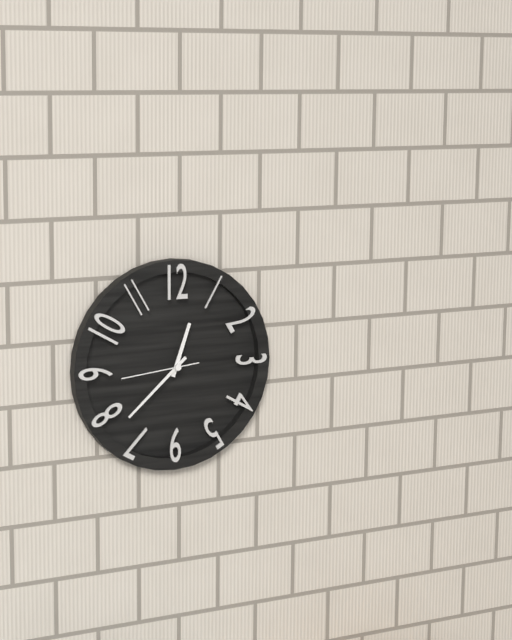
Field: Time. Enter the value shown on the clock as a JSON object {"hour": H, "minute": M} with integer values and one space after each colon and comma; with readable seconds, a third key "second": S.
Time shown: {"hour": 12, "minute": 38, "second": 44}
